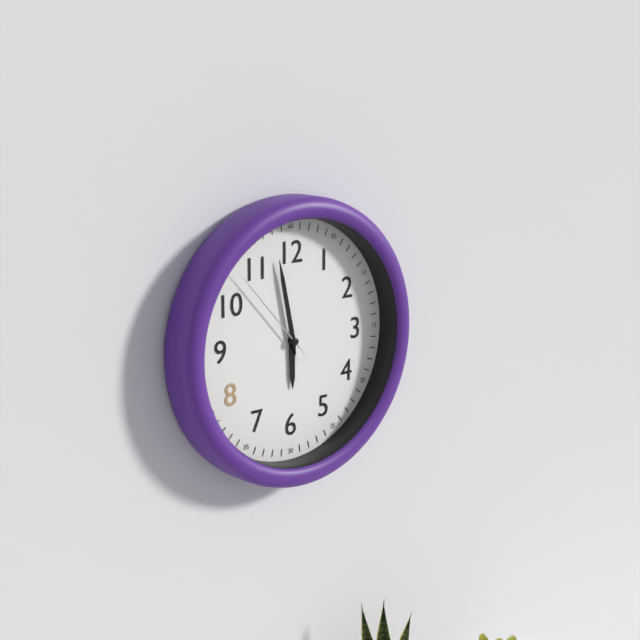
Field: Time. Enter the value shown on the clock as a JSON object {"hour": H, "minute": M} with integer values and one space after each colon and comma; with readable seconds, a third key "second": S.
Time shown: {"hour": 5, "minute": 58, "second": 53}
